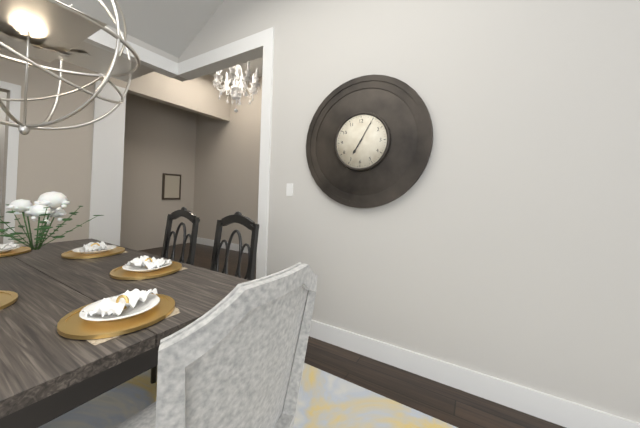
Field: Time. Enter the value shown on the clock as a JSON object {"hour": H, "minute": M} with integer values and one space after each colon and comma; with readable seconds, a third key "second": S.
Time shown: {"hour": 7, "minute": 5}
